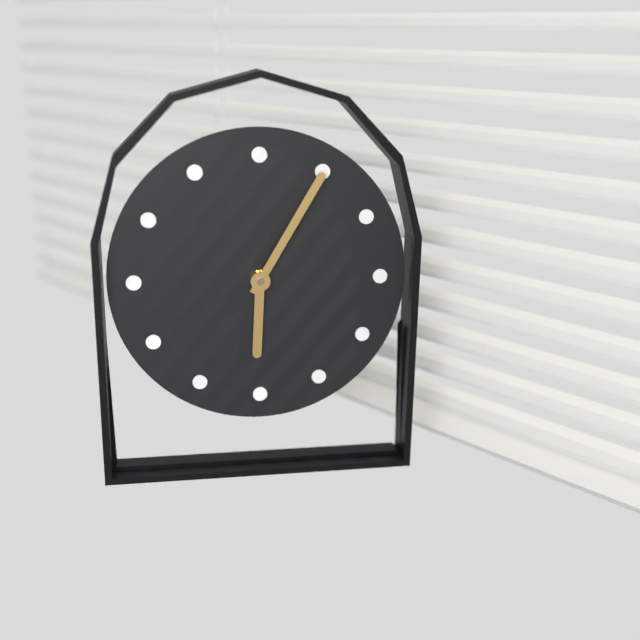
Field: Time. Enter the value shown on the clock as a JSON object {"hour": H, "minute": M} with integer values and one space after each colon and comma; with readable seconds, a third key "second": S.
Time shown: {"hour": 6, "minute": 5}
